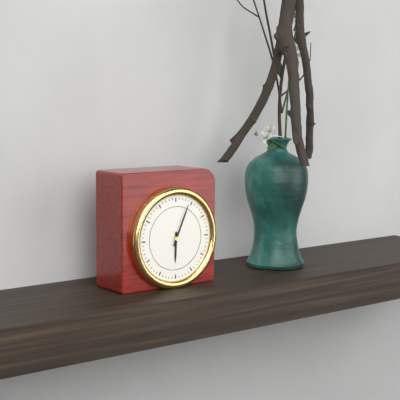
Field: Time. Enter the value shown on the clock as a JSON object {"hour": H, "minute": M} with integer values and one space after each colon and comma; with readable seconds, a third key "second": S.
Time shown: {"hour": 6, "minute": 4}
